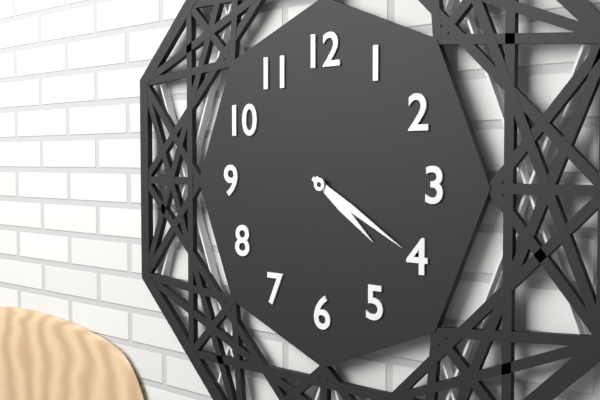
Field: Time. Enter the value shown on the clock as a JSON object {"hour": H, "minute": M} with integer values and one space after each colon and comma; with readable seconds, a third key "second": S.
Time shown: {"hour": 4, "minute": 20}
